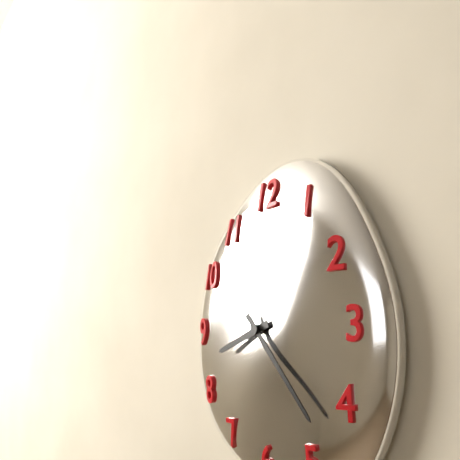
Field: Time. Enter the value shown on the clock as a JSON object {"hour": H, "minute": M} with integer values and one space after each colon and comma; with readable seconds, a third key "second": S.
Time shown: {"hour": 8, "minute": 23}
